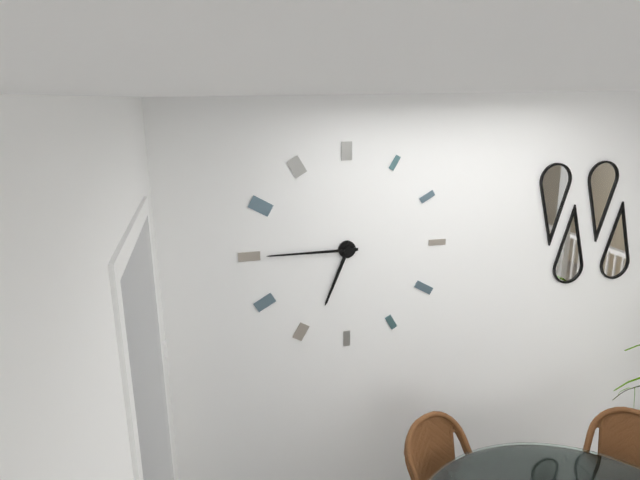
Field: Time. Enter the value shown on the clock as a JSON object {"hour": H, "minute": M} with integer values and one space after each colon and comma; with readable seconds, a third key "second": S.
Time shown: {"hour": 6, "minute": 45}
